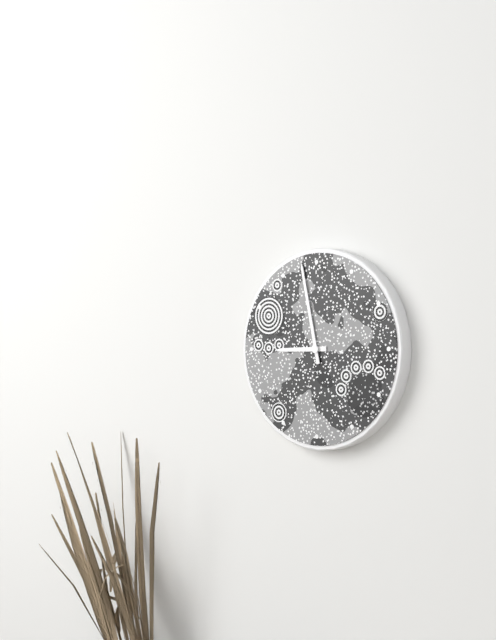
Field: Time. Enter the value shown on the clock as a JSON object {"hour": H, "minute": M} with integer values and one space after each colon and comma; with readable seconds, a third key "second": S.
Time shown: {"hour": 8, "minute": 58}
